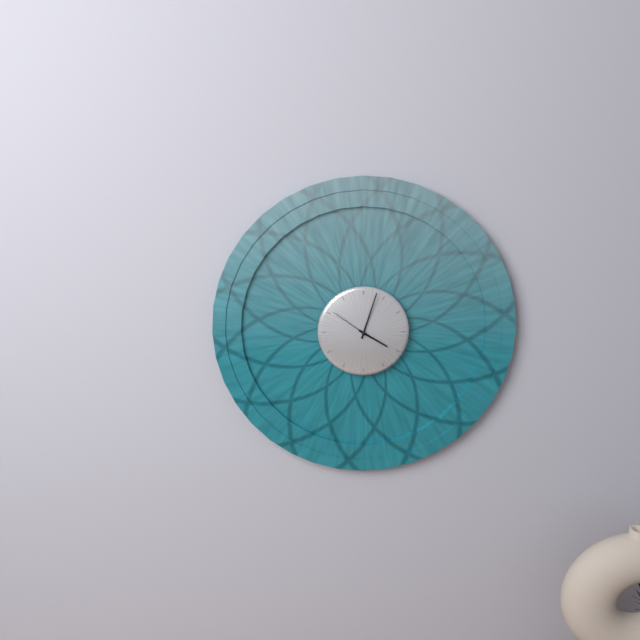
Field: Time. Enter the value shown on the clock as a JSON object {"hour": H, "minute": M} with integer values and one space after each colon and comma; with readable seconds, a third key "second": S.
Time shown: {"hour": 4, "minute": 3}
